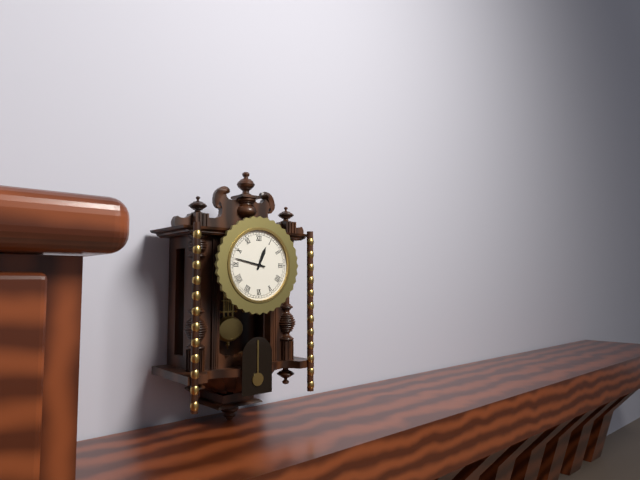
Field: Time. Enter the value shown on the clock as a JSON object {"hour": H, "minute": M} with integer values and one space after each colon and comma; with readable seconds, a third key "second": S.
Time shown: {"hour": 12, "minute": 47}
